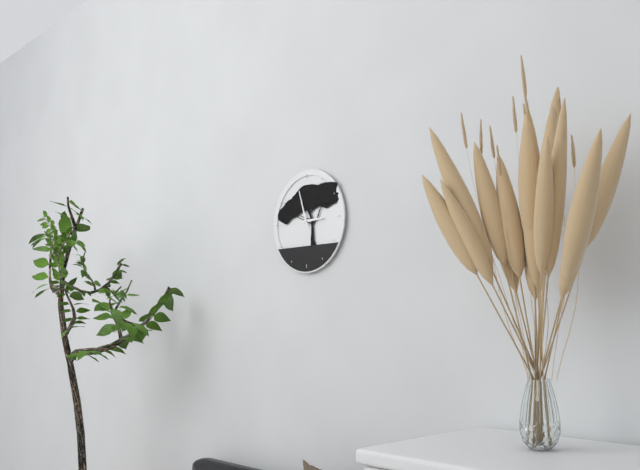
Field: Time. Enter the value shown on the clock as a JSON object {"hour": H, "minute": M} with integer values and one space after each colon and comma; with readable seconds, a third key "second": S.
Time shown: {"hour": 2, "minute": 57}
